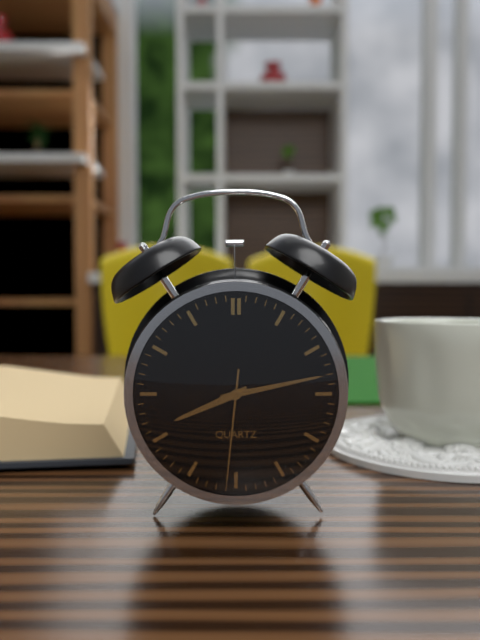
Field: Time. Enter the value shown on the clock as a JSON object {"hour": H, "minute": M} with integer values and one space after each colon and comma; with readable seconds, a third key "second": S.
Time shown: {"hour": 8, "minute": 13, "second": 31}
